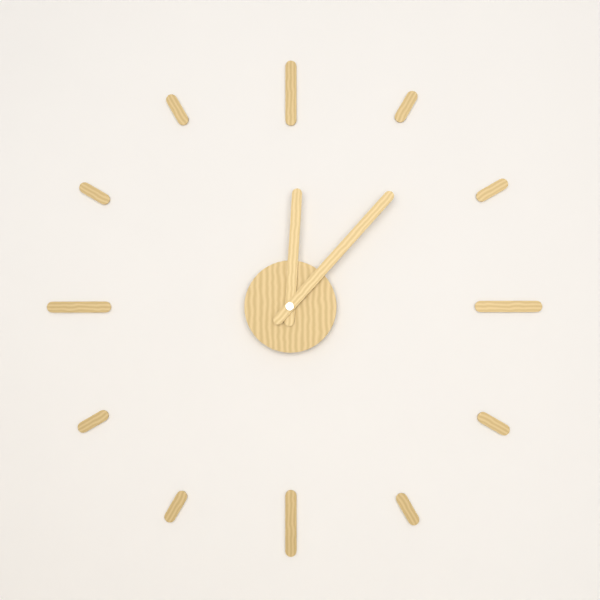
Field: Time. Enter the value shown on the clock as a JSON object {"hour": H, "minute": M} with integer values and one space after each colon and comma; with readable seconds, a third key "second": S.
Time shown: {"hour": 12, "minute": 7}
